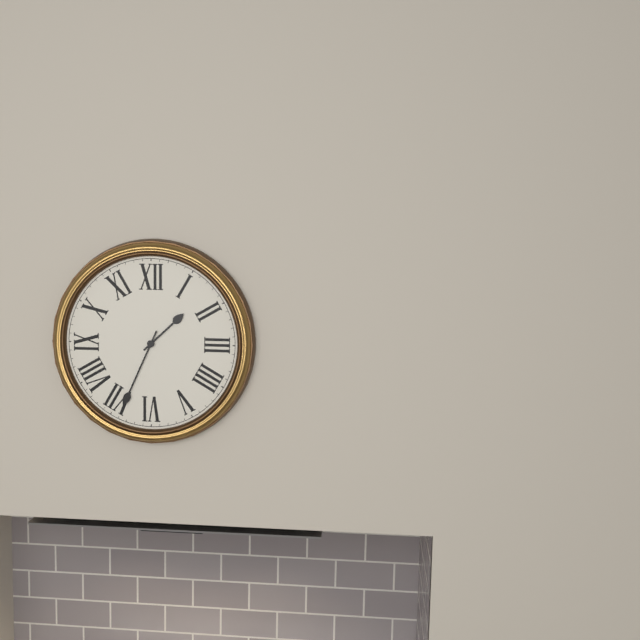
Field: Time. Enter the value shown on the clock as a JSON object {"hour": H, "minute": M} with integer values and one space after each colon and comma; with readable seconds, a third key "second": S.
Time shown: {"hour": 1, "minute": 34}
